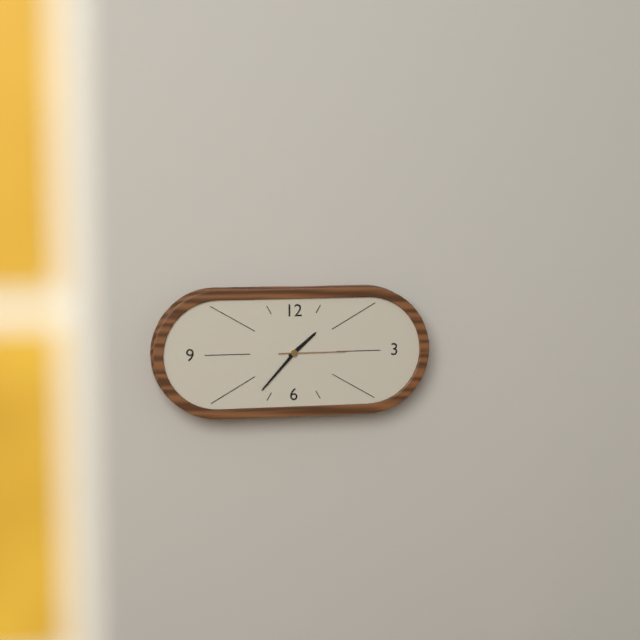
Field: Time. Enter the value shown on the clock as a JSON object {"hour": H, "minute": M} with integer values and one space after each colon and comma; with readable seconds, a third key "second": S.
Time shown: {"hour": 1, "minute": 37, "second": 15}
